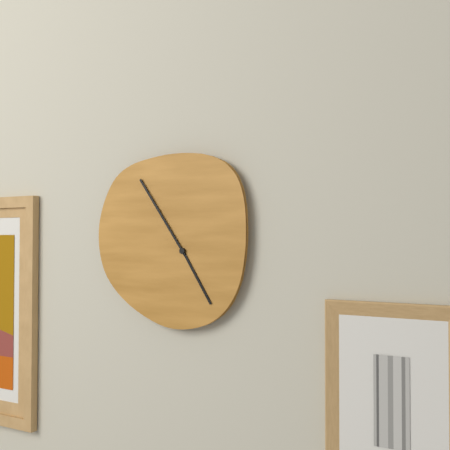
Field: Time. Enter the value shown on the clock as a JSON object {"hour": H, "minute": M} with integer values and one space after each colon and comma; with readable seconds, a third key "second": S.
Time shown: {"hour": 4, "minute": 54}
